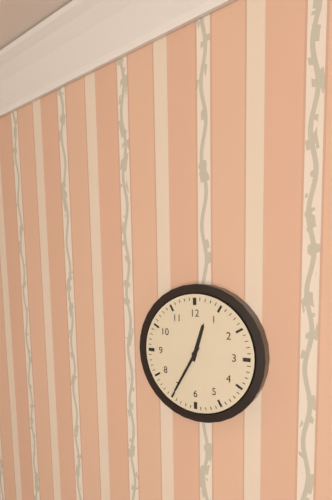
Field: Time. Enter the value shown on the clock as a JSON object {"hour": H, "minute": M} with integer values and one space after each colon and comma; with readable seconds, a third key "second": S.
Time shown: {"hour": 12, "minute": 35}
